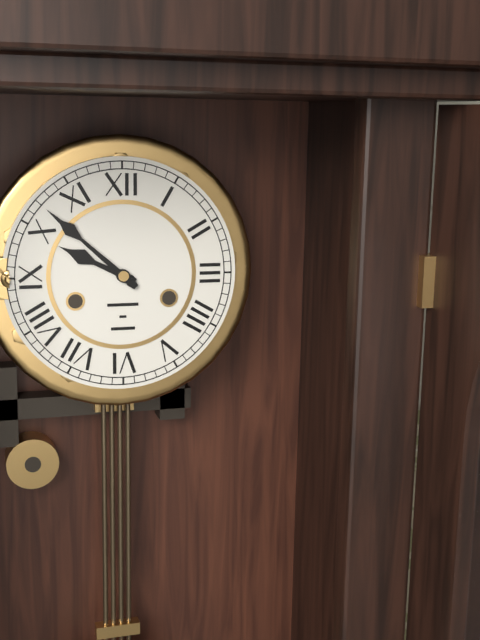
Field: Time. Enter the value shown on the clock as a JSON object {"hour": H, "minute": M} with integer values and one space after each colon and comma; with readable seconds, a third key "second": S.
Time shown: {"hour": 9, "minute": 52}
